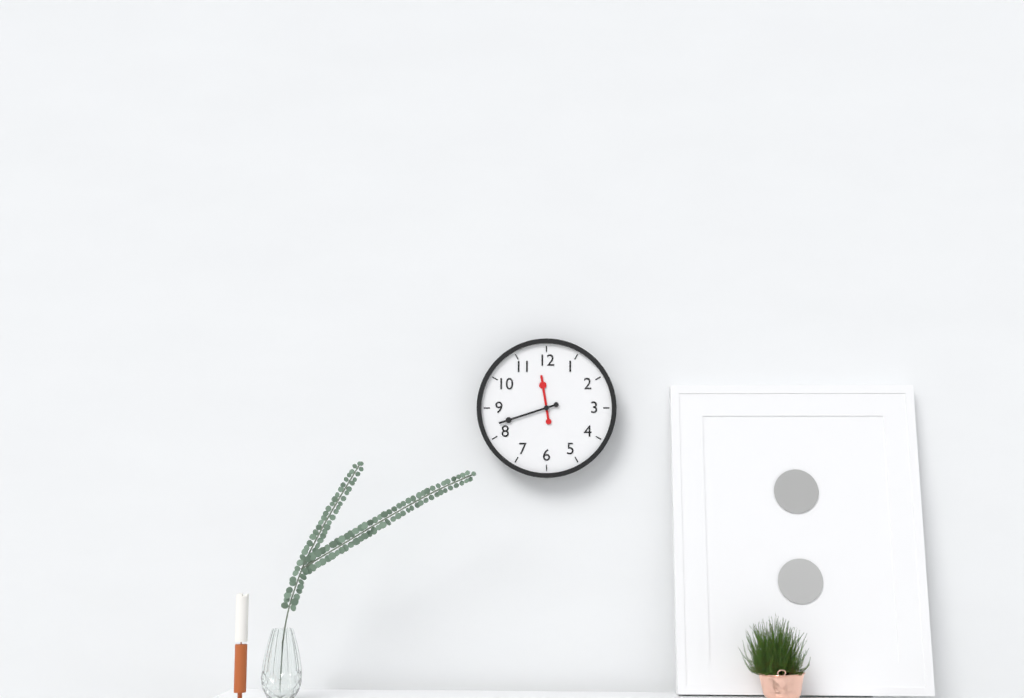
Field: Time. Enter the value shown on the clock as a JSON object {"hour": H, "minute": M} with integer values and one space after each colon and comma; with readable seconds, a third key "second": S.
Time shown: {"hour": 11, "minute": 42}
